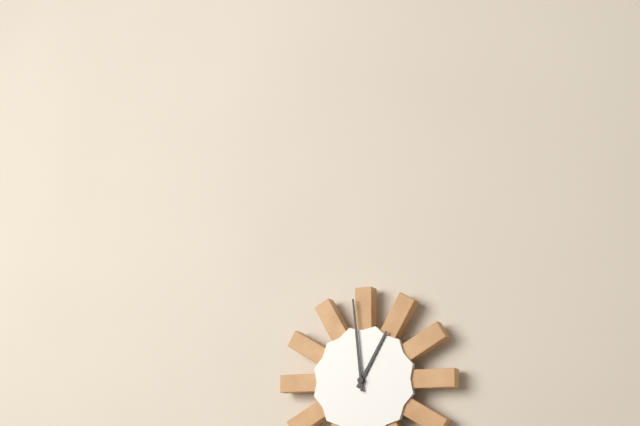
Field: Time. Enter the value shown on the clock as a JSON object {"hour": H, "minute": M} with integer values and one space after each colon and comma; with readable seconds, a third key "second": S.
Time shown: {"hour": 12, "minute": 59}
